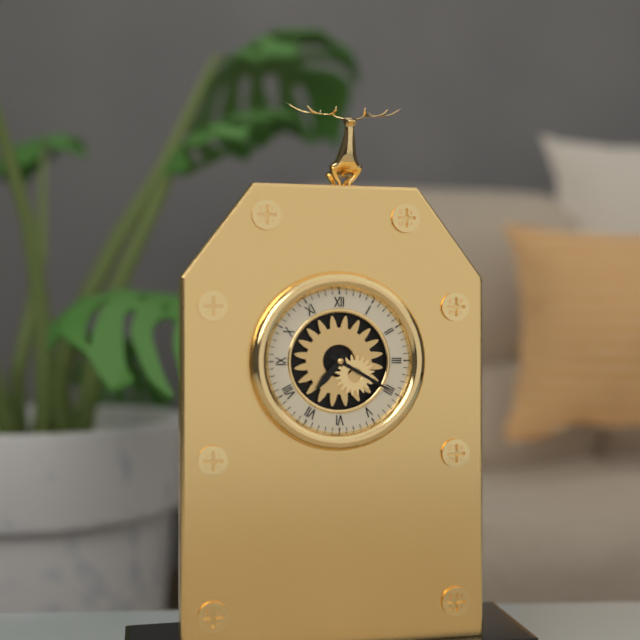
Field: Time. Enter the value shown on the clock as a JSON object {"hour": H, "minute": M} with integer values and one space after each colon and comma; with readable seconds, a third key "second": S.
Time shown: {"hour": 7, "minute": 20}
